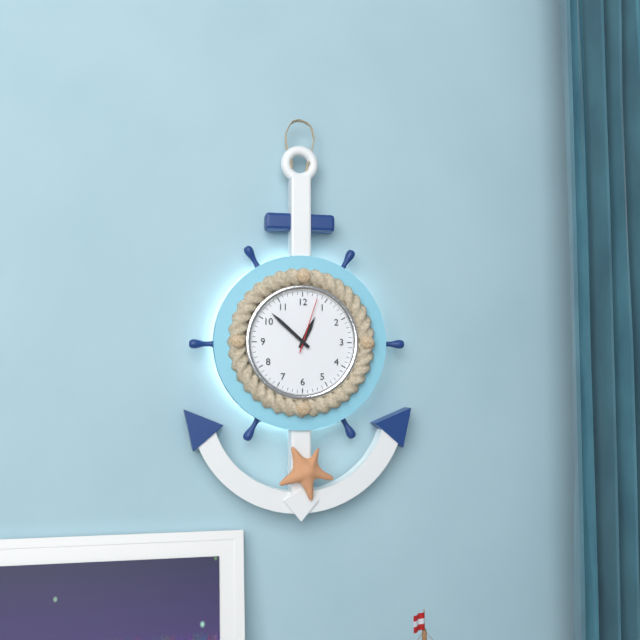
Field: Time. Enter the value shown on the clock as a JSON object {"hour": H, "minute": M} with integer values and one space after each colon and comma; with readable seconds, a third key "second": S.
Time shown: {"hour": 12, "minute": 52, "second": 3}
